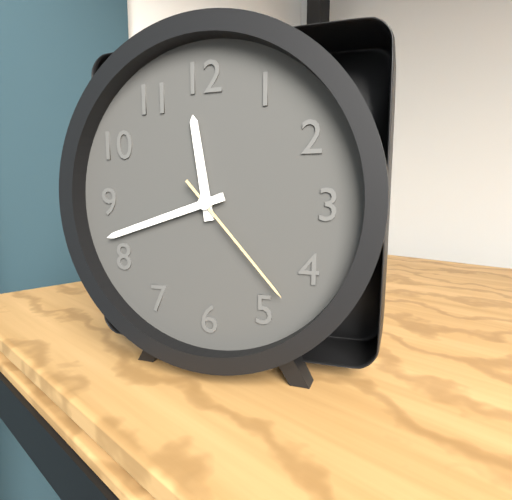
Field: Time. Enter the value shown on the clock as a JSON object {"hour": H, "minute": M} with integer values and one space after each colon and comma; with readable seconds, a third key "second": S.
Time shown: {"hour": 11, "minute": 42, "second": 23}
